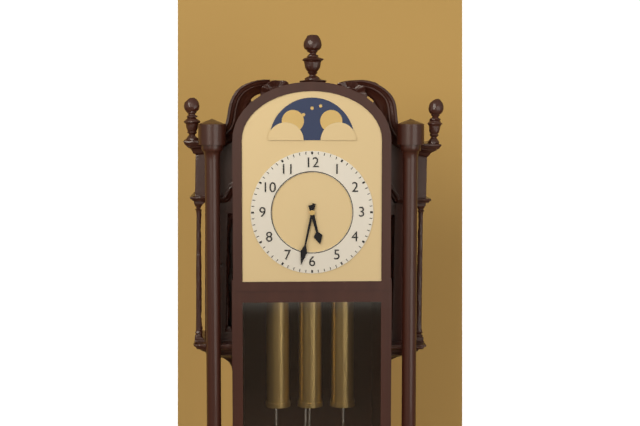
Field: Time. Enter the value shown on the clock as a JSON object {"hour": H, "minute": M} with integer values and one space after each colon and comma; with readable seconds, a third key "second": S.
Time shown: {"hour": 5, "minute": 32}
